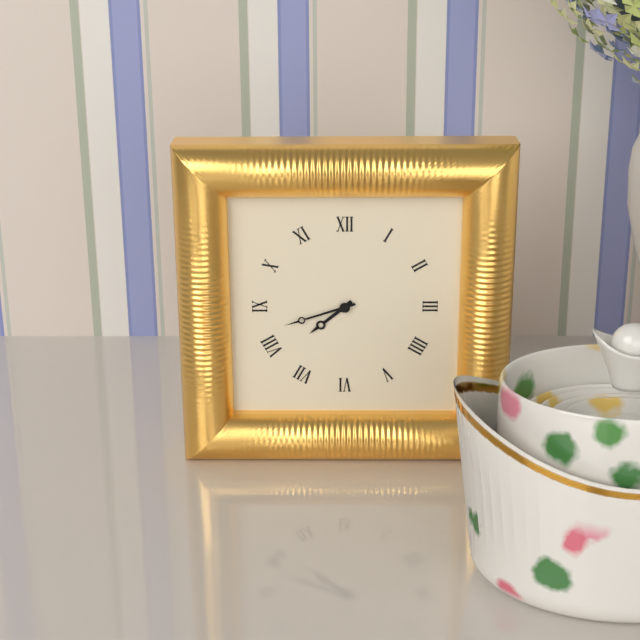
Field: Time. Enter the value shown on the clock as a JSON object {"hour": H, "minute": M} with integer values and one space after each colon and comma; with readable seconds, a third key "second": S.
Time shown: {"hour": 7, "minute": 42}
